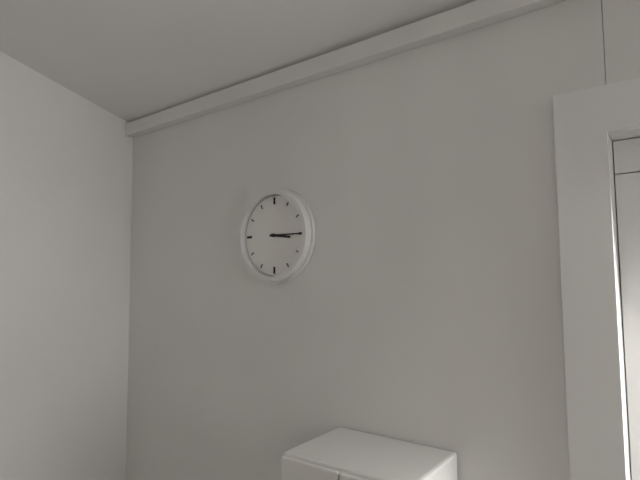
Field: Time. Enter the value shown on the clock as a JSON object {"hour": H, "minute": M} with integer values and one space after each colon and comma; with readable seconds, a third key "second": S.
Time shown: {"hour": 3, "minute": 15}
